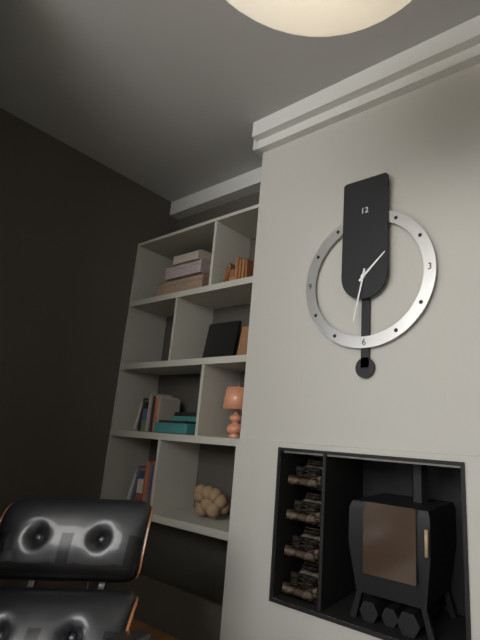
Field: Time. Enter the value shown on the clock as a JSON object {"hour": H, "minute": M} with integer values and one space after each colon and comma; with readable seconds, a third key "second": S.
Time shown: {"hour": 1, "minute": 32}
